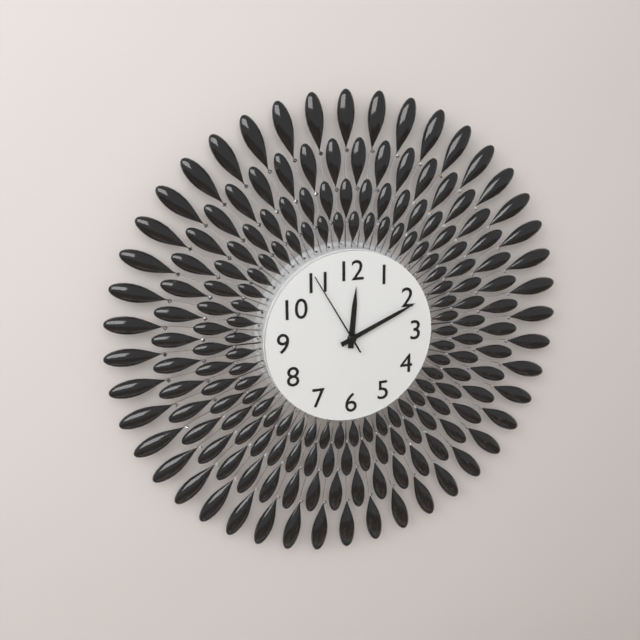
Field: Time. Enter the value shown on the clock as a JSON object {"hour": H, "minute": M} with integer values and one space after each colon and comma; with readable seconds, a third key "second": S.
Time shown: {"hour": 12, "minute": 11, "second": 55}
